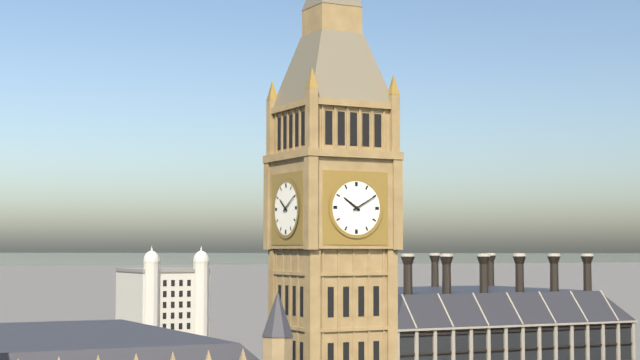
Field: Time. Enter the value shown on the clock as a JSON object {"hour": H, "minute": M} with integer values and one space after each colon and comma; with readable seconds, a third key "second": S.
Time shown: {"hour": 10, "minute": 10}
